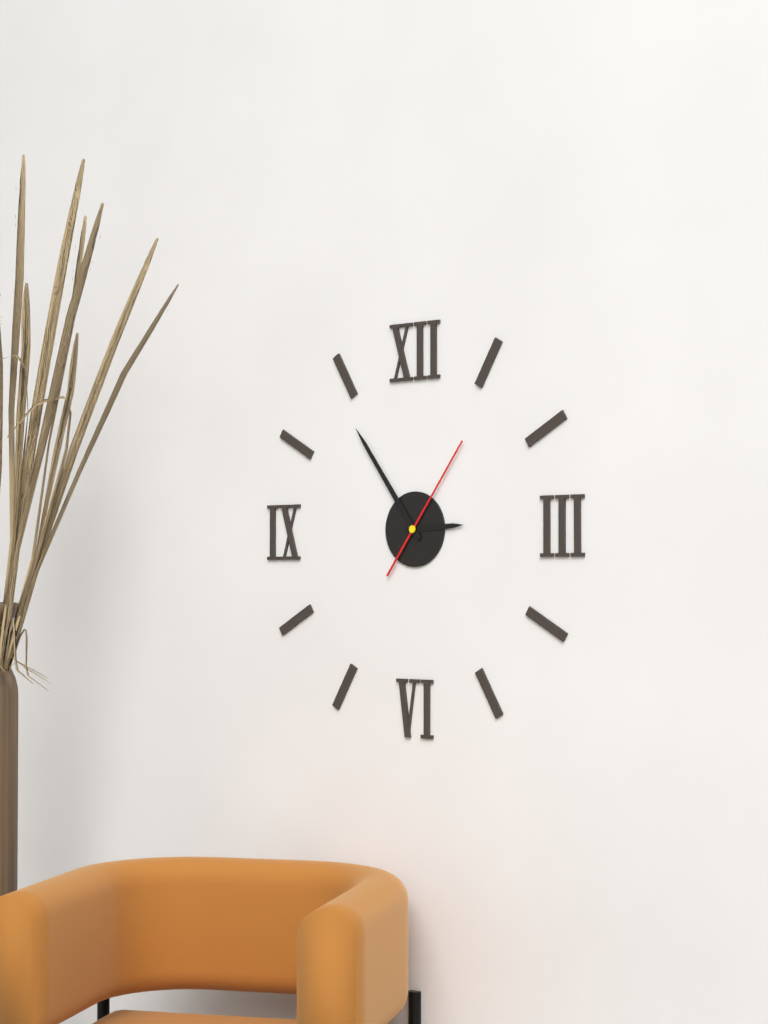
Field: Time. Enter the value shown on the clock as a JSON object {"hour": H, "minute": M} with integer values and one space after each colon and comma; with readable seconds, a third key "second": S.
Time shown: {"hour": 2, "minute": 54, "second": 6}
